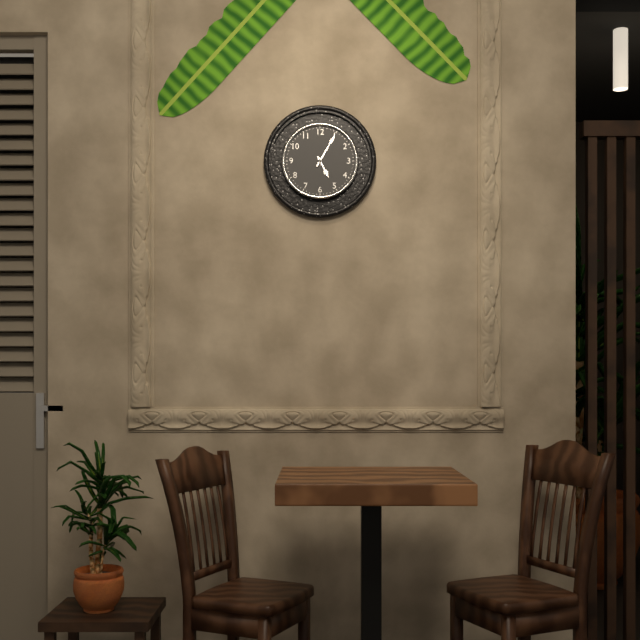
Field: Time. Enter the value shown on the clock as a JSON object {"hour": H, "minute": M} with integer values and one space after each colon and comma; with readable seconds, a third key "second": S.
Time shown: {"hour": 5, "minute": 5}
